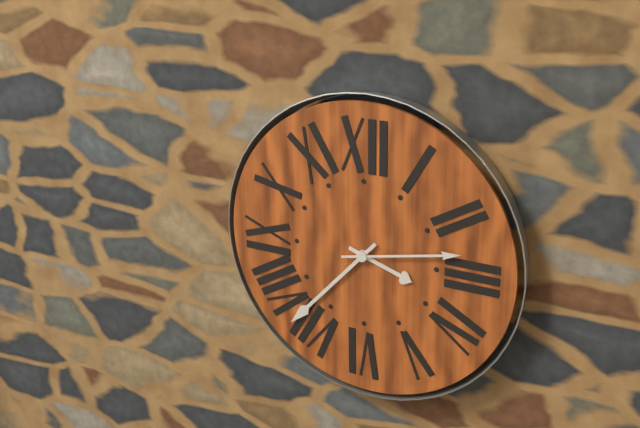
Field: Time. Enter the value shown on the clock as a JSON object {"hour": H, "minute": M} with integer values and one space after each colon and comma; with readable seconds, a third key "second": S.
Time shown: {"hour": 3, "minute": 37, "second": 13}
